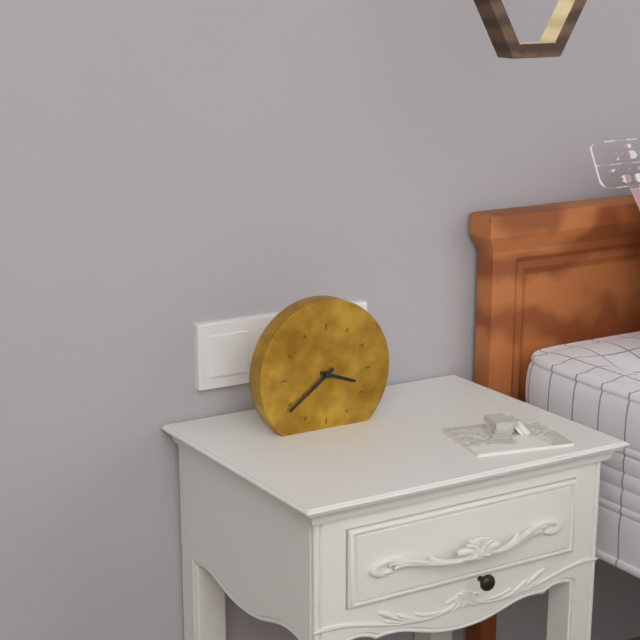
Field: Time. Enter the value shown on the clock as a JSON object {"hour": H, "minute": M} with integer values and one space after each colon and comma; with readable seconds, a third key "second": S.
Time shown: {"hour": 3, "minute": 39}
